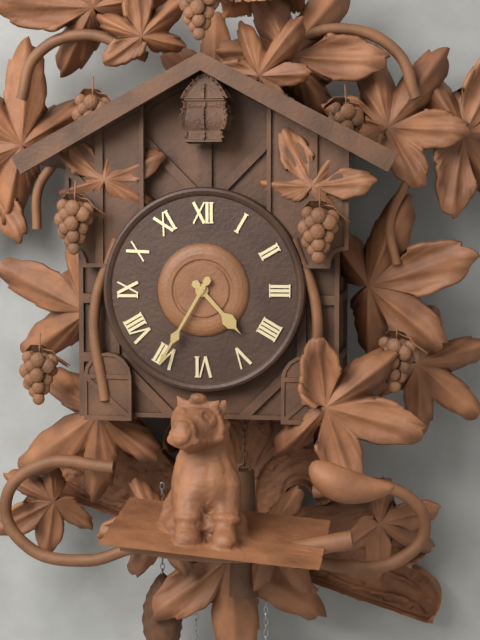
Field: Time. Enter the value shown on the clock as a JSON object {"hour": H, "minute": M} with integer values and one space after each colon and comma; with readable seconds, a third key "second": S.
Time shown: {"hour": 4, "minute": 35}
